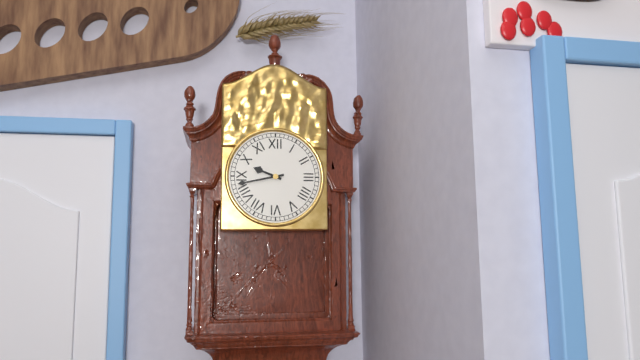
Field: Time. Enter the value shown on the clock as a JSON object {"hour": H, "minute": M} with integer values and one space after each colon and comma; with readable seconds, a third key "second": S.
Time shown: {"hour": 9, "minute": 43}
